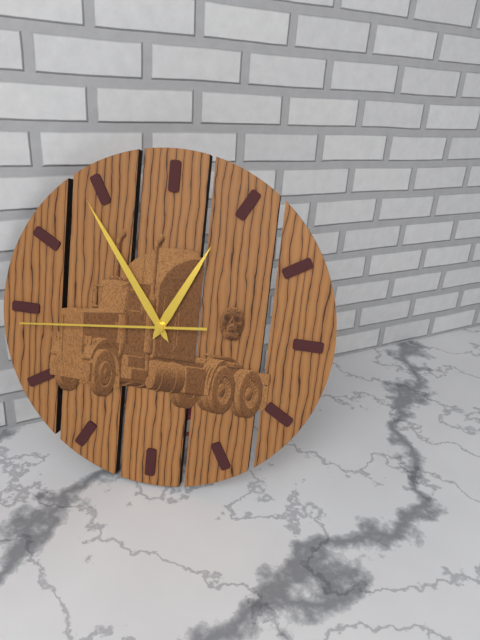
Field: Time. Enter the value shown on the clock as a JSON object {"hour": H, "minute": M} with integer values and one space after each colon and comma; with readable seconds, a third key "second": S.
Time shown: {"hour": 12, "minute": 54, "second": 44}
